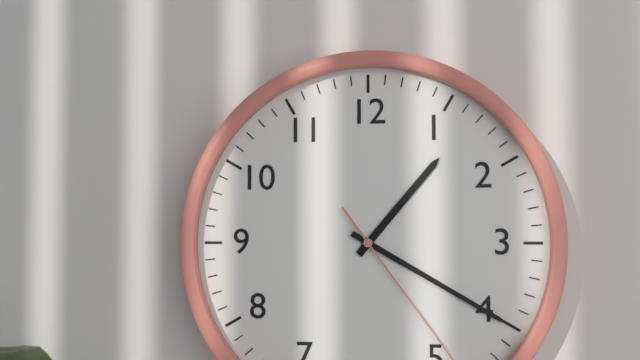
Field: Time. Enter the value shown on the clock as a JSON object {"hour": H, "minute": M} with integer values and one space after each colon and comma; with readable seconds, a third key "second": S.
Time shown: {"hour": 1, "minute": 20}
